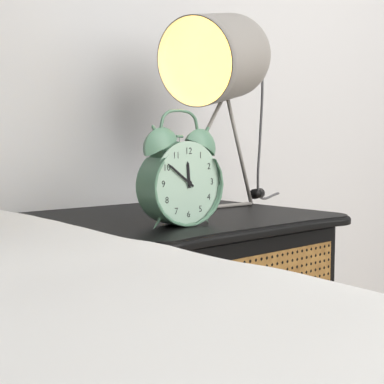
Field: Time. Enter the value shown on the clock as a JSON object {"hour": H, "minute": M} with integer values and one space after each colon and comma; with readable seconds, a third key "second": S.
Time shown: {"hour": 11, "minute": 51}
